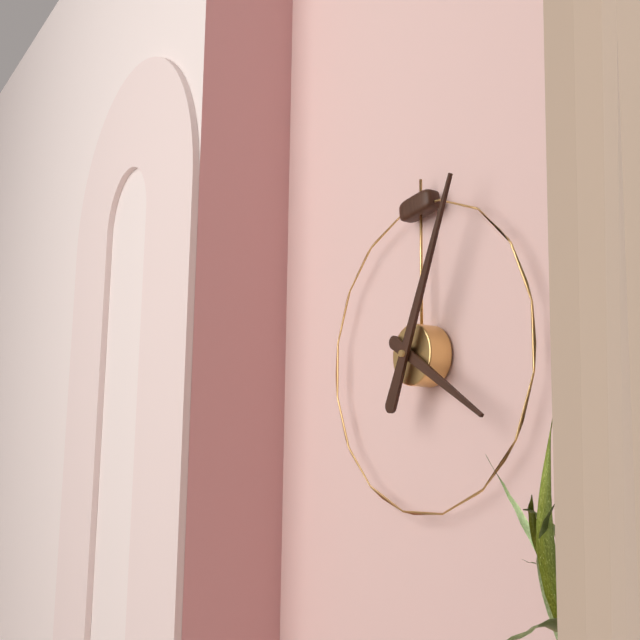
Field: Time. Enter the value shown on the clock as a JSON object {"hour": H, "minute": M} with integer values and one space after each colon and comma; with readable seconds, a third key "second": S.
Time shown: {"hour": 4, "minute": 4}
